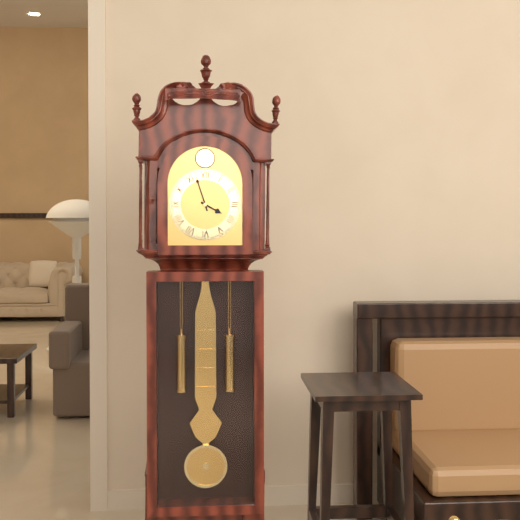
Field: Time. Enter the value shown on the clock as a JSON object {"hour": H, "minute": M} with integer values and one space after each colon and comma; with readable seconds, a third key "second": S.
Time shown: {"hour": 3, "minute": 57}
